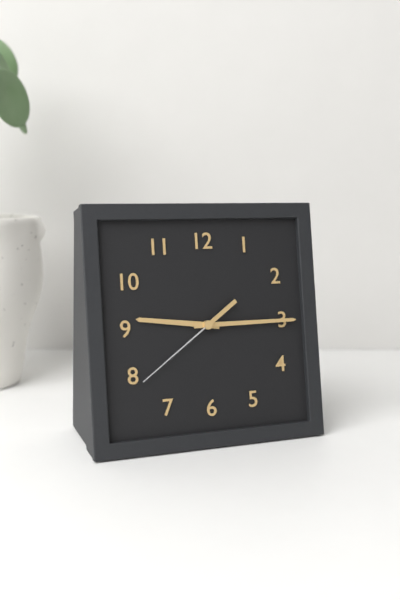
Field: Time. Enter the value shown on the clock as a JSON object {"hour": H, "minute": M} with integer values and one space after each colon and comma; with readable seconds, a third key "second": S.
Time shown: {"hour": 9, "minute": 15, "second": 39}
